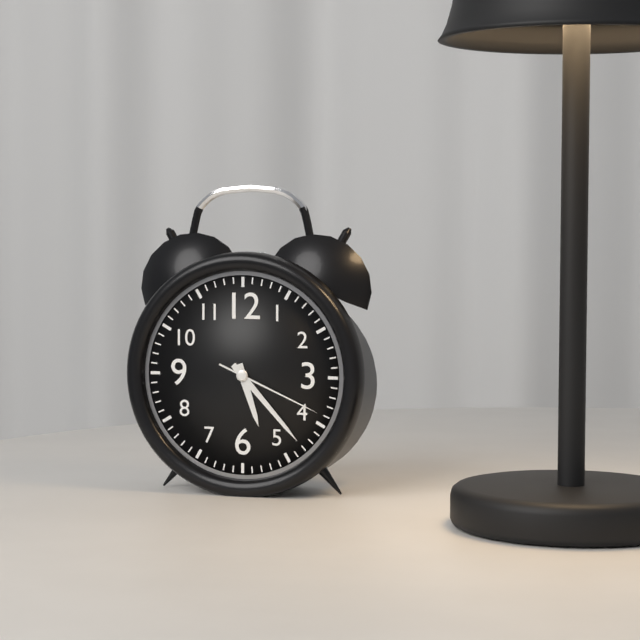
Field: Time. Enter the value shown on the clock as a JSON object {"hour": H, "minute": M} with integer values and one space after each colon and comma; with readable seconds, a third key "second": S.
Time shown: {"hour": 5, "minute": 23, "second": 19}
